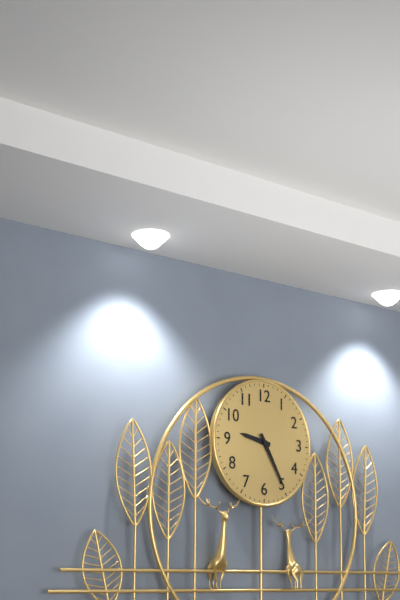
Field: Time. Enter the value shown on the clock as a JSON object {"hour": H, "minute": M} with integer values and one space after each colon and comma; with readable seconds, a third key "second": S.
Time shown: {"hour": 9, "minute": 25}
